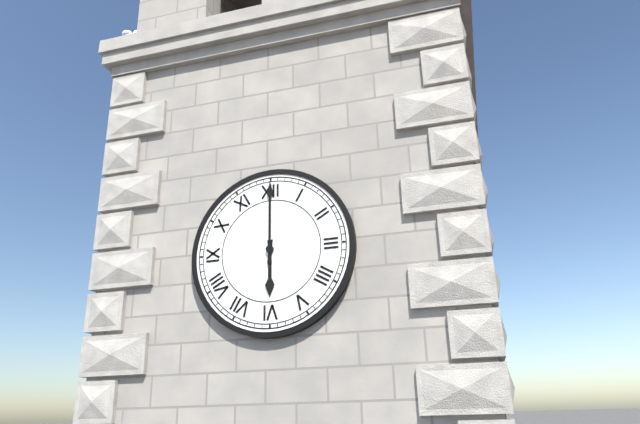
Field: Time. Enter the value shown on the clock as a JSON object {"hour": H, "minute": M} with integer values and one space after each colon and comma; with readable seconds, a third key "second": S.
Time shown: {"hour": 6, "minute": 0}
